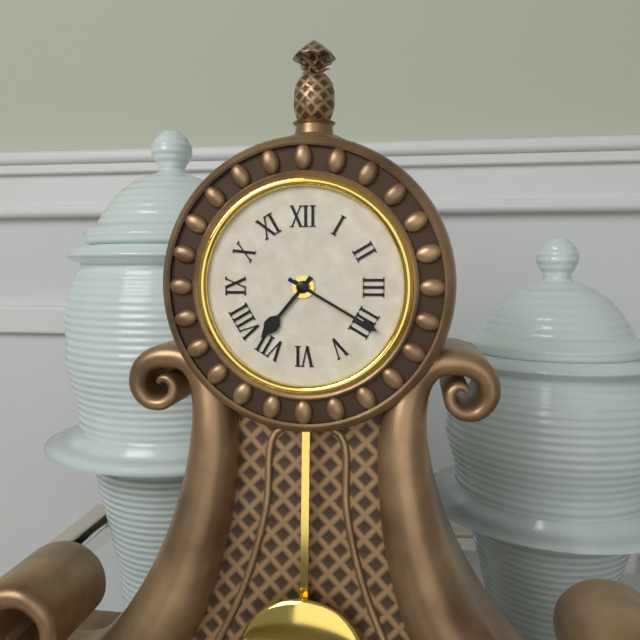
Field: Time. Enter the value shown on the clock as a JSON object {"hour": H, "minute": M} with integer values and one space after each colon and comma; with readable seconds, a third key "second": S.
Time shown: {"hour": 7, "minute": 20}
